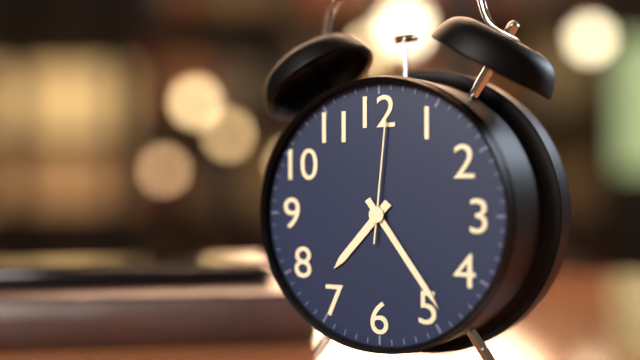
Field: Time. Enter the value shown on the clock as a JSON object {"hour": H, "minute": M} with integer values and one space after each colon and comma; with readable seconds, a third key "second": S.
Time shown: {"hour": 7, "minute": 24, "second": 1}
